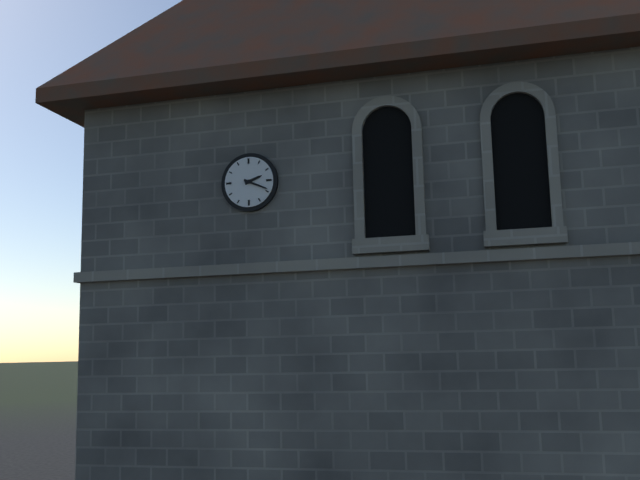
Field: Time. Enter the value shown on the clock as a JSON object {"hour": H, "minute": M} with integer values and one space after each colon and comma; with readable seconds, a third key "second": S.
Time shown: {"hour": 2, "minute": 19}
